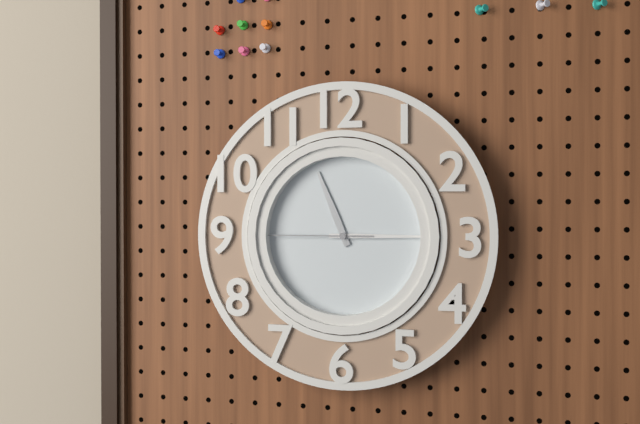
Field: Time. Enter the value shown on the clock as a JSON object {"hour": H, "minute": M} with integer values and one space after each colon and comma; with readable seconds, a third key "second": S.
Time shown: {"hour": 11, "minute": 15, "second": 45}
